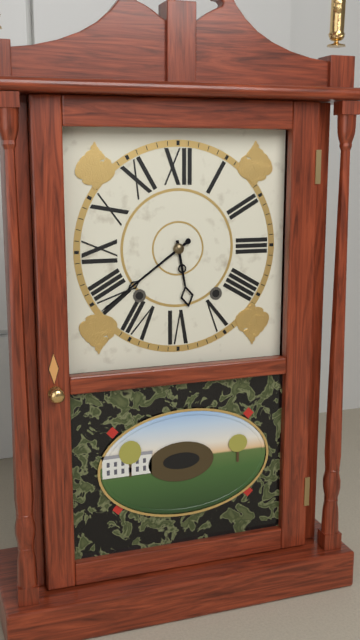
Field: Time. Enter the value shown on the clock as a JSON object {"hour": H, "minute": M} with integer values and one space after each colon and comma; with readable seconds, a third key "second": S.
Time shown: {"hour": 5, "minute": 39}
